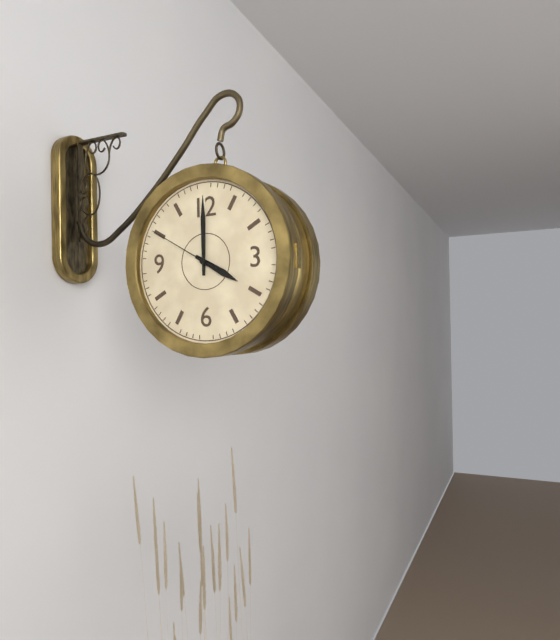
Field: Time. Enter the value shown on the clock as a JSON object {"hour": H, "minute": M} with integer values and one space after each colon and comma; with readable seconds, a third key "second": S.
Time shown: {"hour": 4, "minute": 0, "second": 50}
